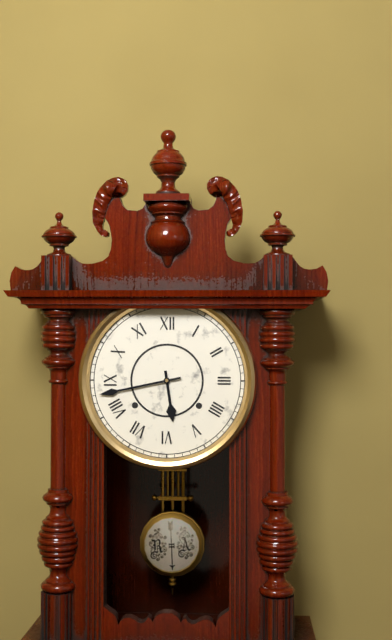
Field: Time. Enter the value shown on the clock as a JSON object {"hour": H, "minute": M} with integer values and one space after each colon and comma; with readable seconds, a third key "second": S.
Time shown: {"hour": 5, "minute": 43}
